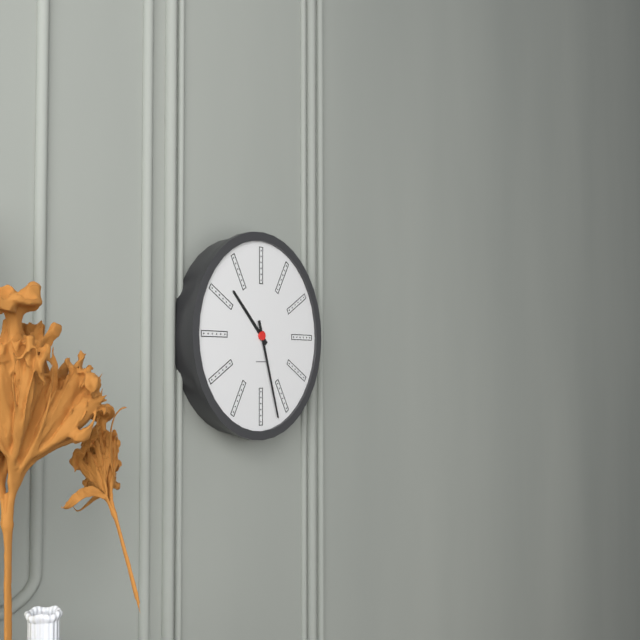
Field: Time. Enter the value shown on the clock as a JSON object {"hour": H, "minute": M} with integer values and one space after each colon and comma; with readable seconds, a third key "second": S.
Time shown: {"hour": 10, "minute": 27}
